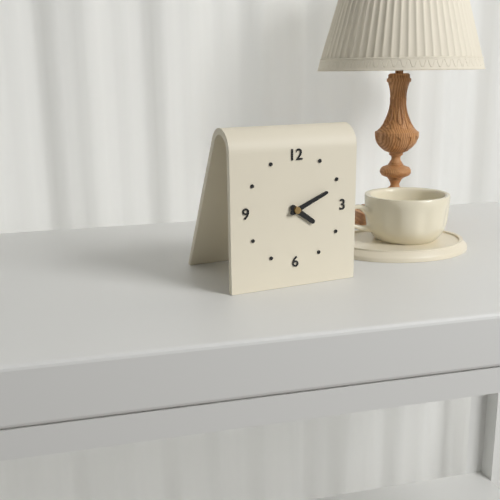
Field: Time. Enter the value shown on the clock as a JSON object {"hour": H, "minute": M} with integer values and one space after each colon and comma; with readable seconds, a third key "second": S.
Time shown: {"hour": 4, "minute": 11}
